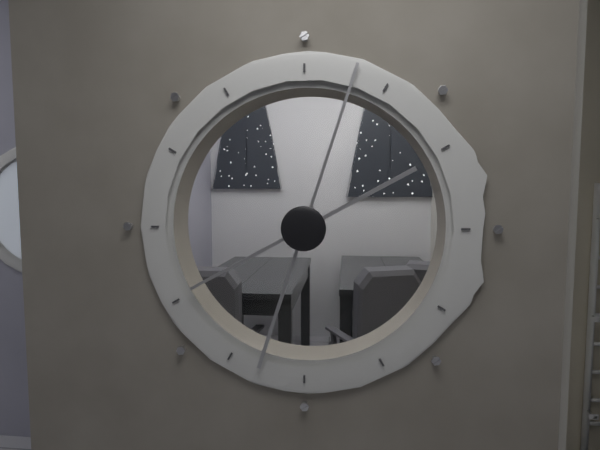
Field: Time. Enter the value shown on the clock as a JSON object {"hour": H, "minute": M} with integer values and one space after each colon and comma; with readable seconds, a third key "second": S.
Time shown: {"hour": 8, "minute": 3}
